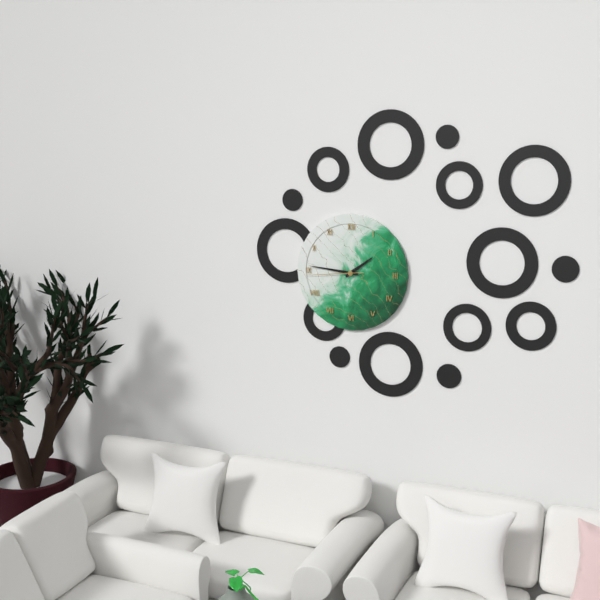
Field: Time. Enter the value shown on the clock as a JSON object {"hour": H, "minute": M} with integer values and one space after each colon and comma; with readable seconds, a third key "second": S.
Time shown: {"hour": 1, "minute": 46, "second": 44}
